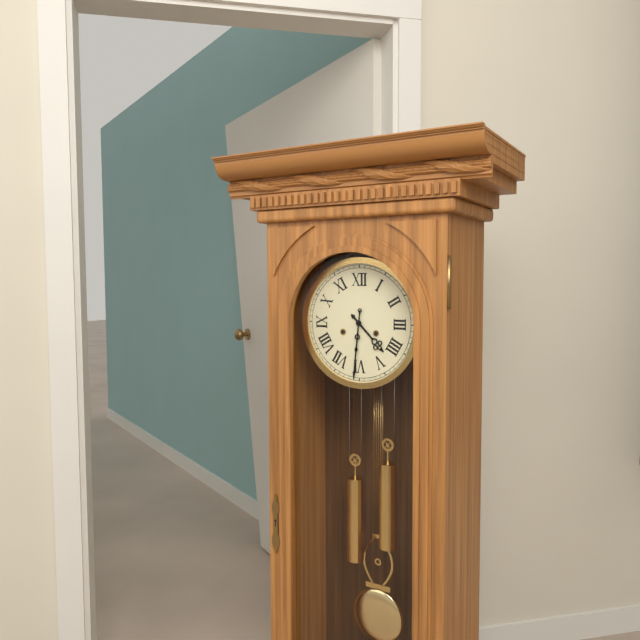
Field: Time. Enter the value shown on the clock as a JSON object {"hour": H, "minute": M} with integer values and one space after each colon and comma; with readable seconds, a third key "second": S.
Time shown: {"hour": 4, "minute": 31}
